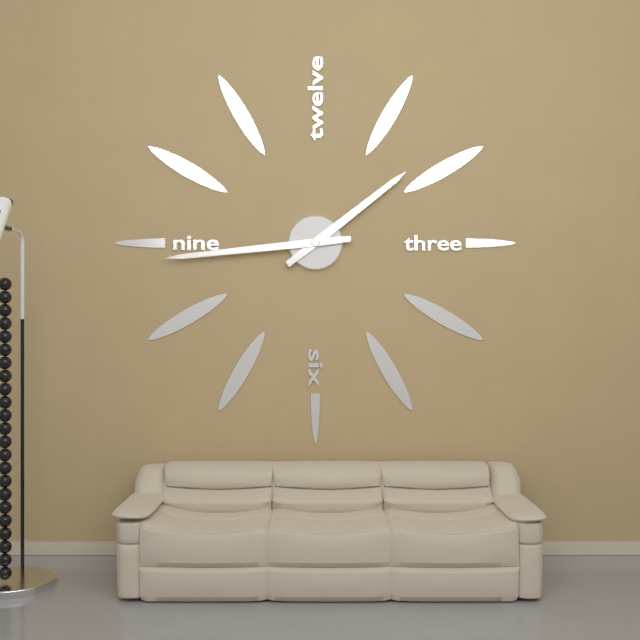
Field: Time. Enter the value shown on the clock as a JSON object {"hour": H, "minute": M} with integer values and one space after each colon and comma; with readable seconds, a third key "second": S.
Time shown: {"hour": 1, "minute": 44}
